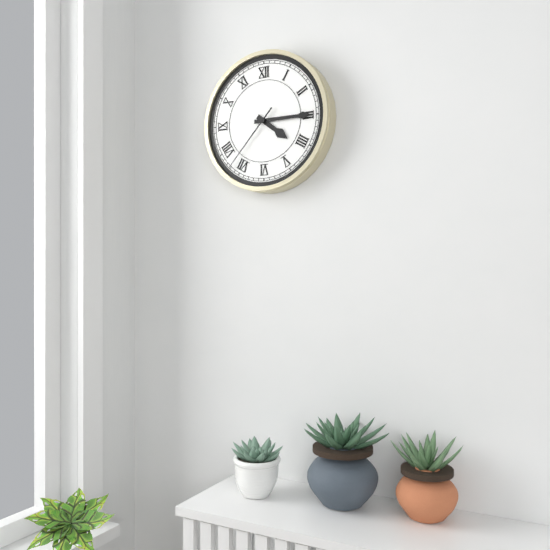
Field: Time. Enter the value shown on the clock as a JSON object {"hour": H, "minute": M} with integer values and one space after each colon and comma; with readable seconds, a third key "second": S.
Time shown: {"hour": 4, "minute": 15, "second": 37}
